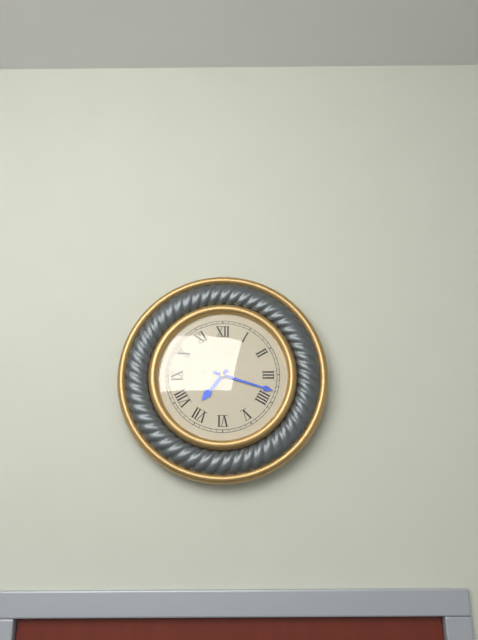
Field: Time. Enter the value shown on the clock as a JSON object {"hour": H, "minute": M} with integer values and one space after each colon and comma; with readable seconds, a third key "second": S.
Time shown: {"hour": 7, "minute": 18}
